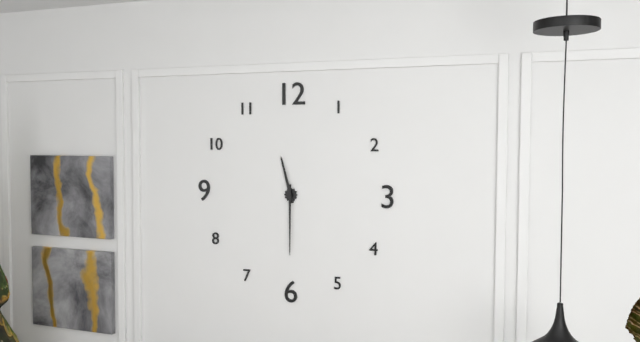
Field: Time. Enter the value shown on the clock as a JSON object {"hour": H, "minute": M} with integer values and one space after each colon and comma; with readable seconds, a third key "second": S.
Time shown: {"hour": 11, "minute": 30}
